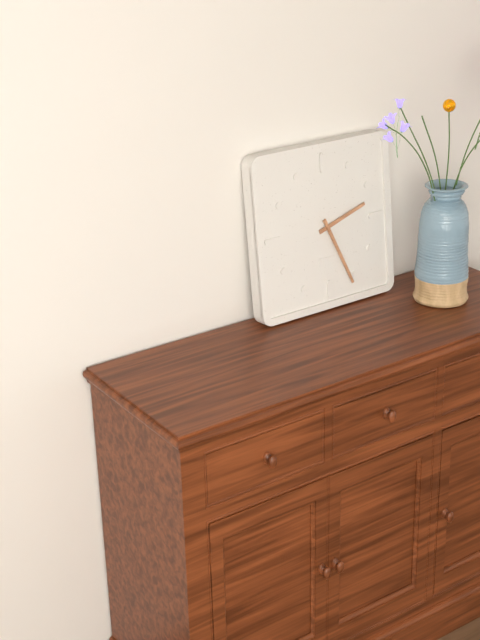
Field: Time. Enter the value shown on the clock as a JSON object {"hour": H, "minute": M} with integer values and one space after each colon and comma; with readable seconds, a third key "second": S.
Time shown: {"hour": 2, "minute": 26}
